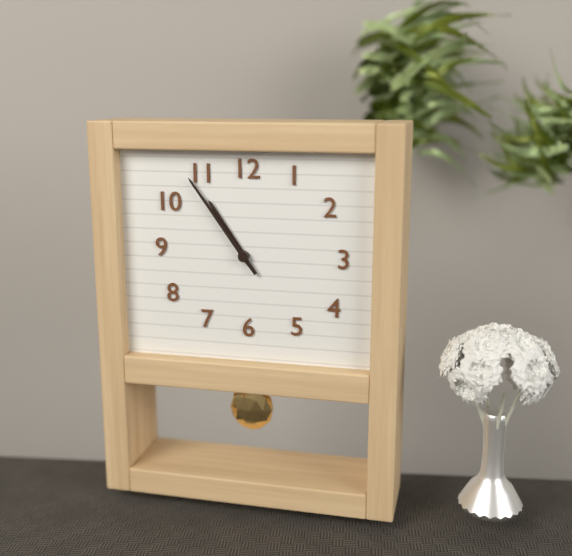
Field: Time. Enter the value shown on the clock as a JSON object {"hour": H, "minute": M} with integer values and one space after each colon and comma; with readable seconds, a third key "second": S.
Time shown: {"hour": 10, "minute": 54}
